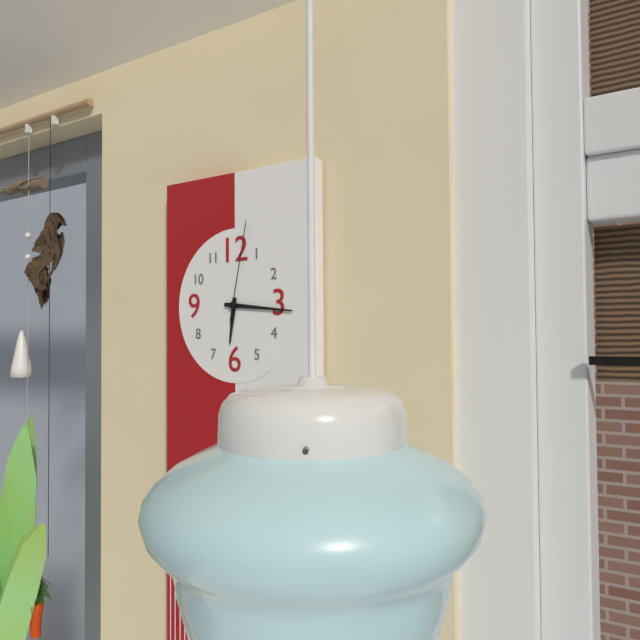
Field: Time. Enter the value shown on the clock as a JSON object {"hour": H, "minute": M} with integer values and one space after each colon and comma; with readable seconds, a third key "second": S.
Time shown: {"hour": 6, "minute": 16, "second": 2}
